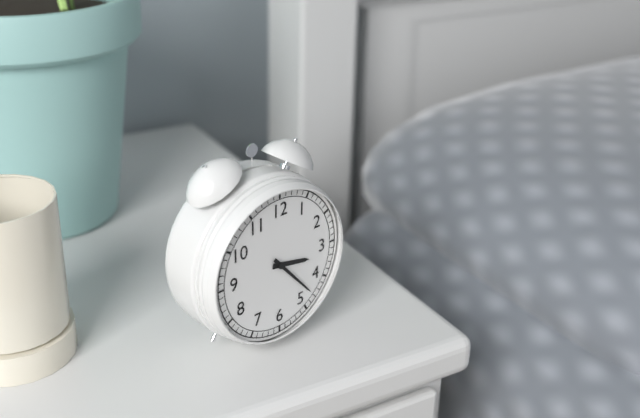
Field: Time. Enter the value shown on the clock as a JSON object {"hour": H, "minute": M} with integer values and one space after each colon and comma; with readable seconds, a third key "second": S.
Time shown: {"hour": 3, "minute": 23}
